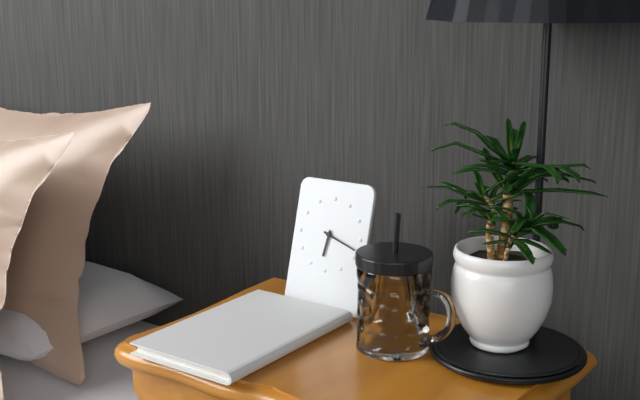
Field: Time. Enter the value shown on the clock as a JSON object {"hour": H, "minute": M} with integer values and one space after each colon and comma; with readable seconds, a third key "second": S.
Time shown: {"hour": 6, "minute": 18}
